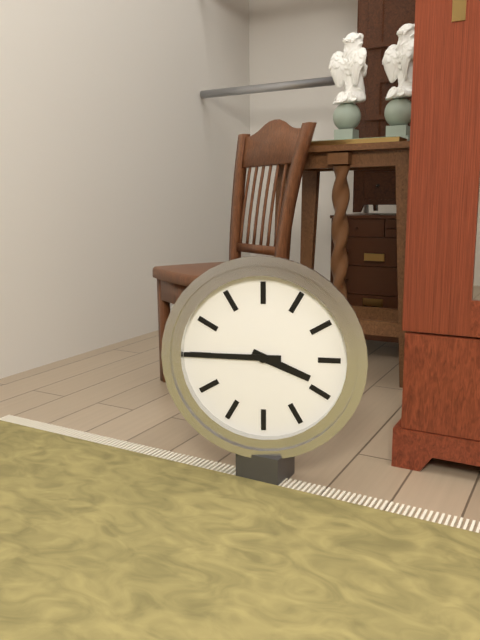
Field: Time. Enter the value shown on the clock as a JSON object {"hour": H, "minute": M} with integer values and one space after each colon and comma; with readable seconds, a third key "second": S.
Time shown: {"hour": 3, "minute": 45}
